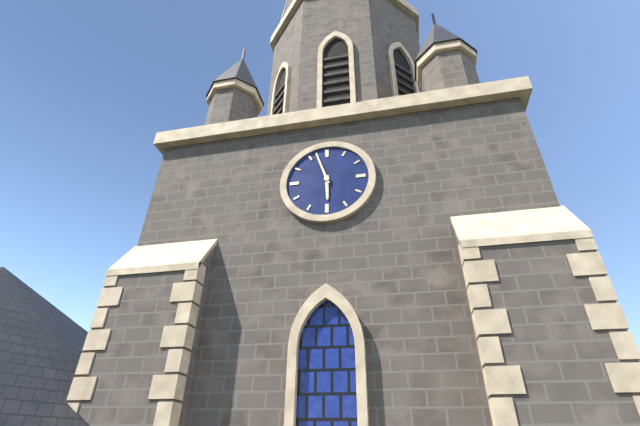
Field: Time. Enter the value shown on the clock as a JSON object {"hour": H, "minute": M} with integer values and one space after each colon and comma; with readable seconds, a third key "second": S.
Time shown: {"hour": 5, "minute": 57}
